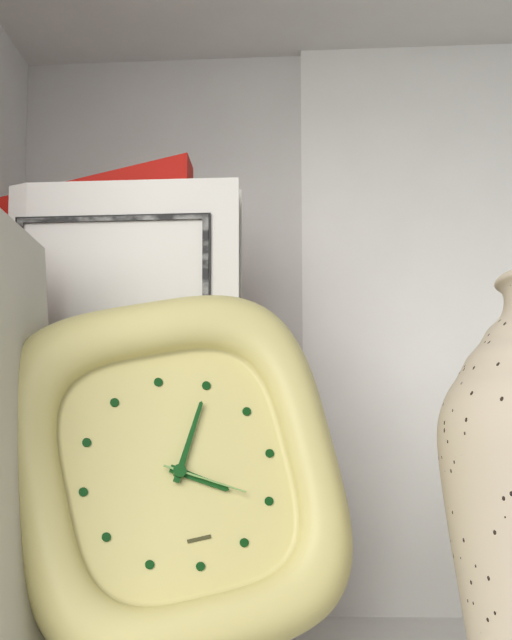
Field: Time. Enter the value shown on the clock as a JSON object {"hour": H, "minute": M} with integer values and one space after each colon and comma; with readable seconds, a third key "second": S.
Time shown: {"hour": 4, "minute": 5, "second": 20}
